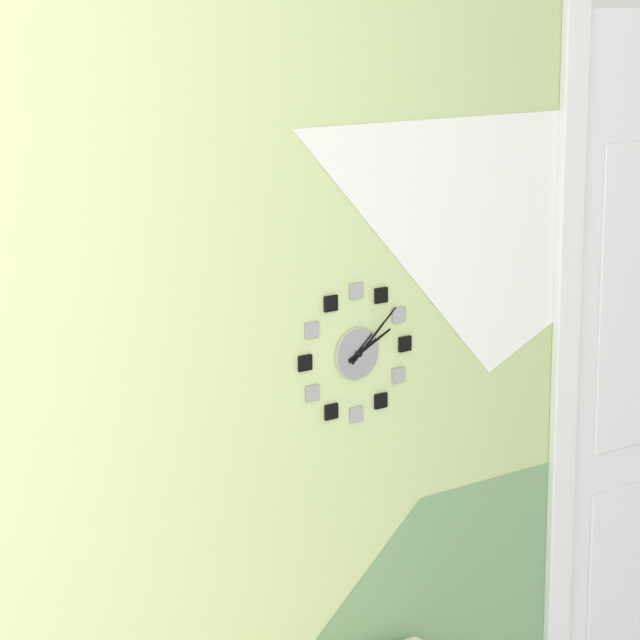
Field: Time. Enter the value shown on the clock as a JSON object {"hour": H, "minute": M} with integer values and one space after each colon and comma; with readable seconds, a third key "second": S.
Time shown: {"hour": 2, "minute": 8}
